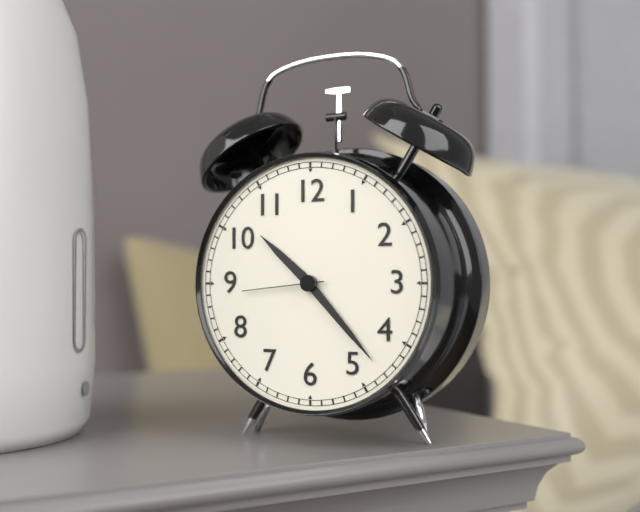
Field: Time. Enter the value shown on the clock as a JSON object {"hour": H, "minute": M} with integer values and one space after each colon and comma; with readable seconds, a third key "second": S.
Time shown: {"hour": 10, "minute": 23, "second": 44}
